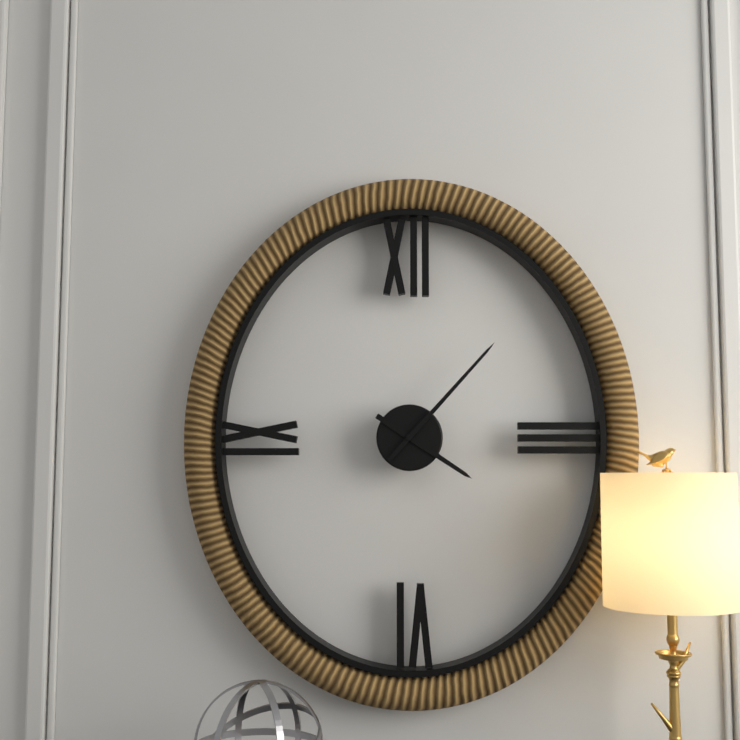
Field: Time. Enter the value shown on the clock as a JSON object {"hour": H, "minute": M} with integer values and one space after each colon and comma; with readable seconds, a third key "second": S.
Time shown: {"hour": 4, "minute": 7}
